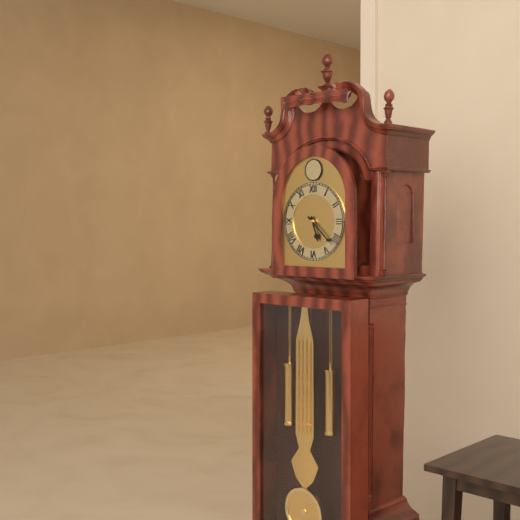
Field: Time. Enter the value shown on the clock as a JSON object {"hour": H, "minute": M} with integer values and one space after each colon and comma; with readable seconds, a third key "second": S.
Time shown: {"hour": 5, "minute": 22}
